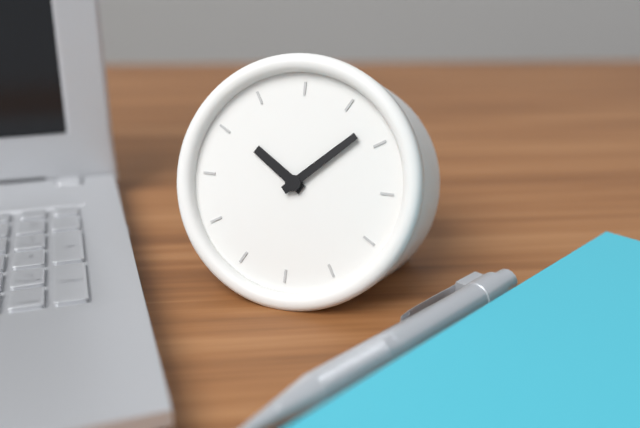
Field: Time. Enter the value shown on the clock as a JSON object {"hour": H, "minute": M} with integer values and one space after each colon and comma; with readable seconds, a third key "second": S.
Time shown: {"hour": 10, "minute": 8}
